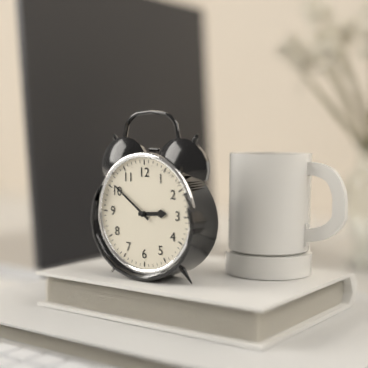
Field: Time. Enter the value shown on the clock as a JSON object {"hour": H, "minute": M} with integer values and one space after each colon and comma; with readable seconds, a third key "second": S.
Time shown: {"hour": 2, "minute": 51}
